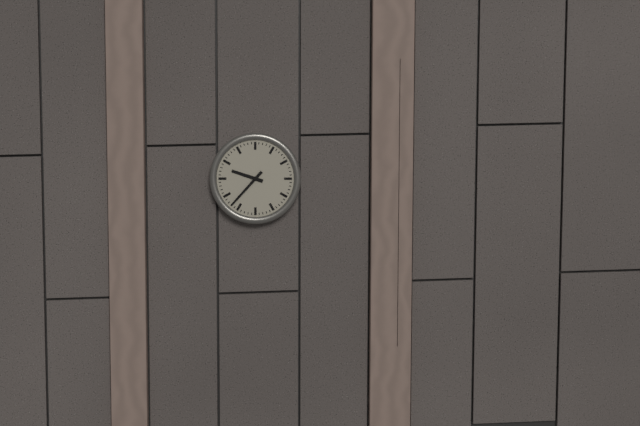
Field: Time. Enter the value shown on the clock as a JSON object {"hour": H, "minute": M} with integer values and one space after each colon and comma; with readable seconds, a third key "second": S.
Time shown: {"hour": 9, "minute": 37}
